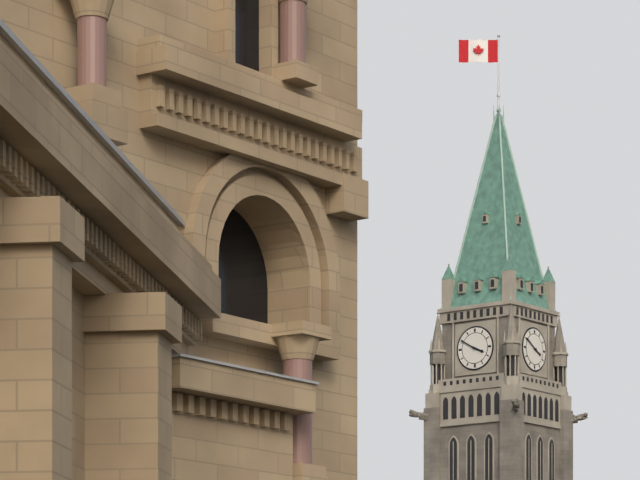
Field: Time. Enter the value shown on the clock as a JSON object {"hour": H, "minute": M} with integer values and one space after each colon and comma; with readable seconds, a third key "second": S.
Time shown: {"hour": 3, "minute": 50}
